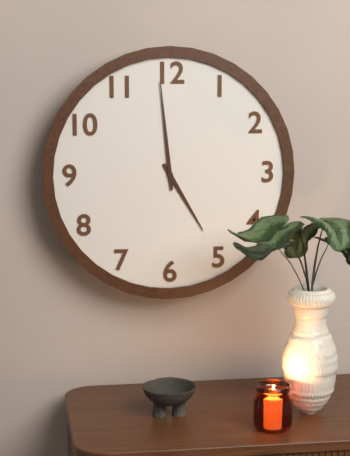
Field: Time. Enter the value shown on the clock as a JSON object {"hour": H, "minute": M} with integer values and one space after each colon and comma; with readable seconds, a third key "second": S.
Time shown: {"hour": 4, "minute": 59}
